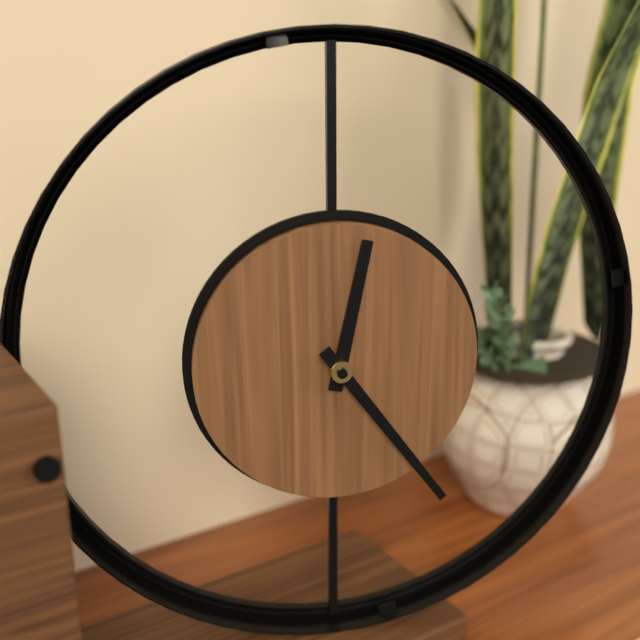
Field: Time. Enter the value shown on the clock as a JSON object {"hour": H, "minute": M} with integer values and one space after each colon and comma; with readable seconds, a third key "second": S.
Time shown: {"hour": 12, "minute": 24}
